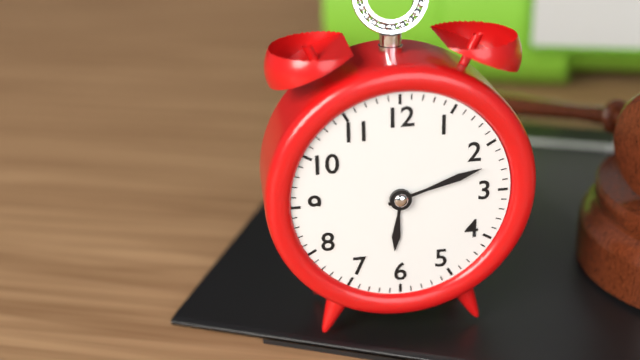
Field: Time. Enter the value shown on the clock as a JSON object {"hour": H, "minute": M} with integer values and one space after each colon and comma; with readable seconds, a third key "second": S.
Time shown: {"hour": 6, "minute": 12}
